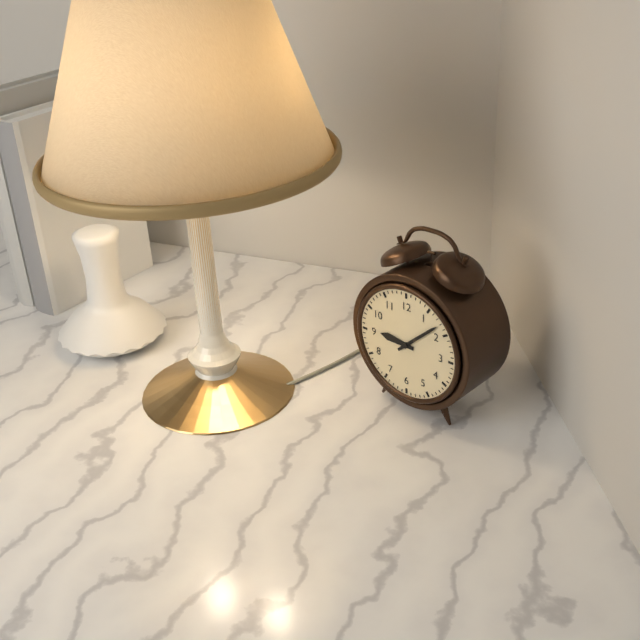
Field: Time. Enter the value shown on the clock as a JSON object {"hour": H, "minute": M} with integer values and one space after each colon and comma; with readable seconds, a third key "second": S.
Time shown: {"hour": 9, "minute": 8}
